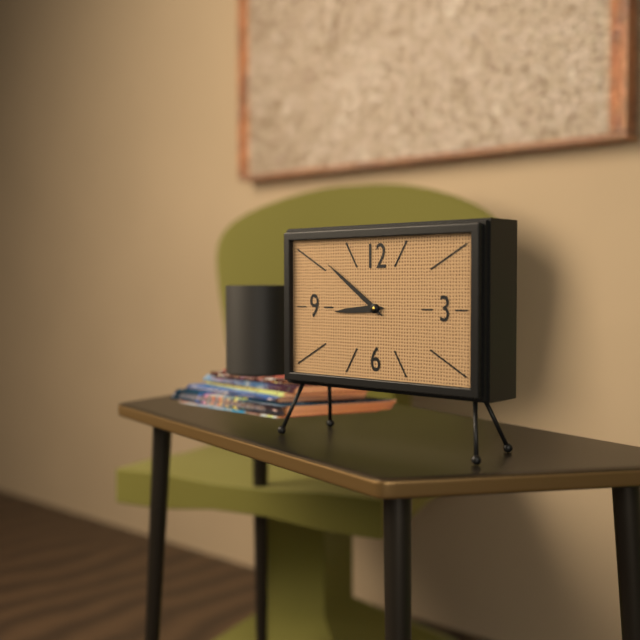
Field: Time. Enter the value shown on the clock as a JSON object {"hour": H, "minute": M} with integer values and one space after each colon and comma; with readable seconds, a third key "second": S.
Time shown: {"hour": 8, "minute": 51}
